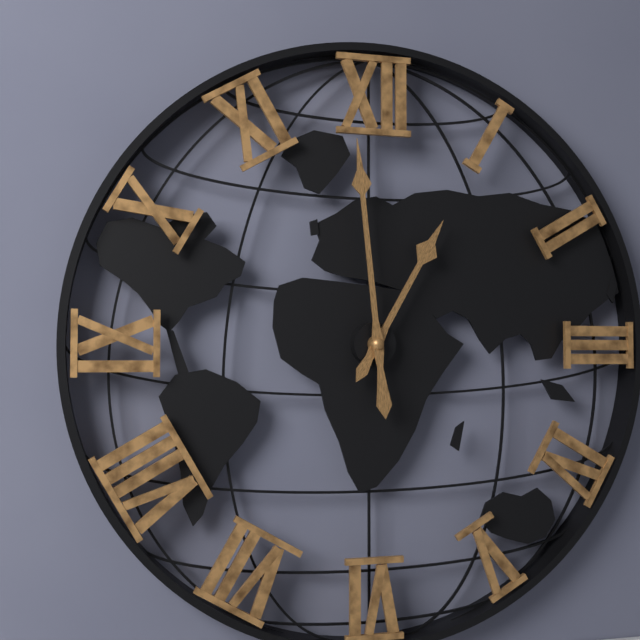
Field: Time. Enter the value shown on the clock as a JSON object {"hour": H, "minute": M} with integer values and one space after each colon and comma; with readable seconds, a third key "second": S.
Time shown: {"hour": 12, "minute": 59}
